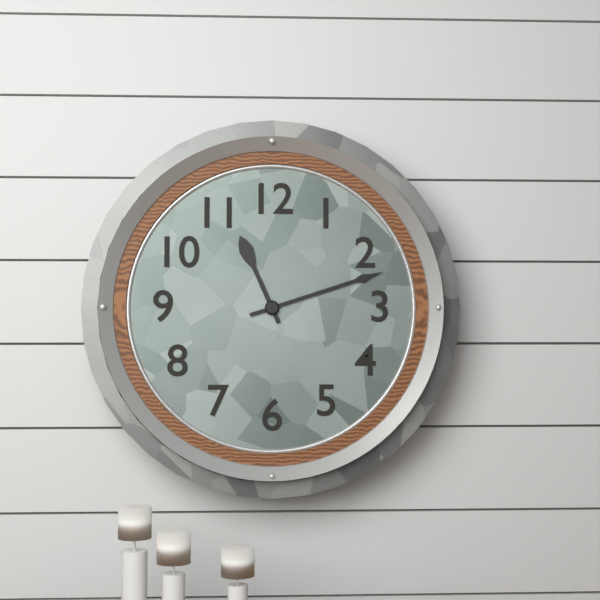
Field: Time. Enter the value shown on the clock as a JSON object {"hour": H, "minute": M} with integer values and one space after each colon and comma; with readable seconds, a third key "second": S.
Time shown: {"hour": 11, "minute": 12}
